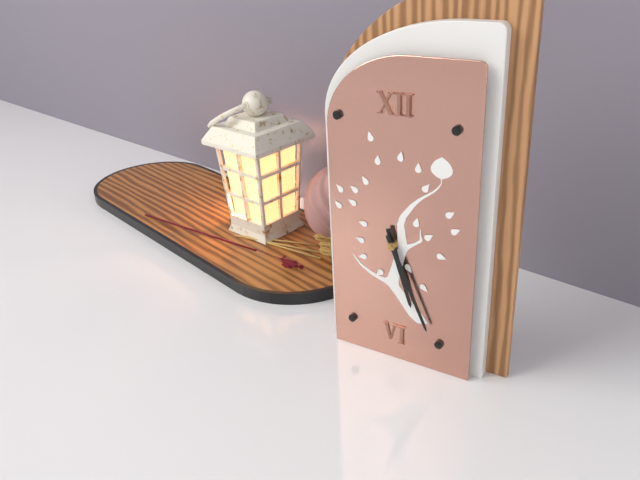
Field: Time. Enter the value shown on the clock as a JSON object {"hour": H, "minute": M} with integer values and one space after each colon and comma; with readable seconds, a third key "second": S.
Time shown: {"hour": 5, "minute": 26}
